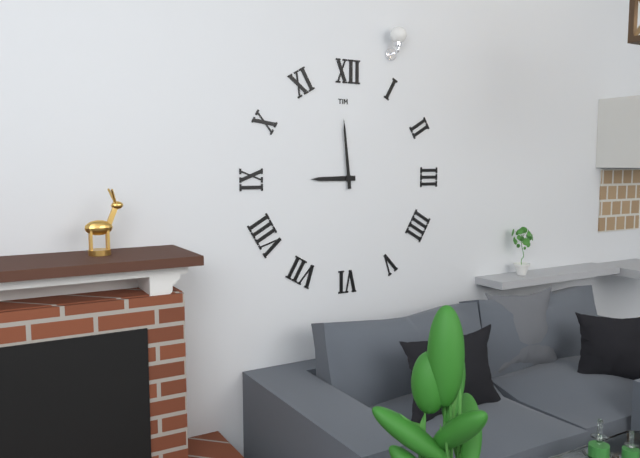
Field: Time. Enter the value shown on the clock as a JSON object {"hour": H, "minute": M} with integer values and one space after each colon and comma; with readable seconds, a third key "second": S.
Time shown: {"hour": 8, "minute": 59}
